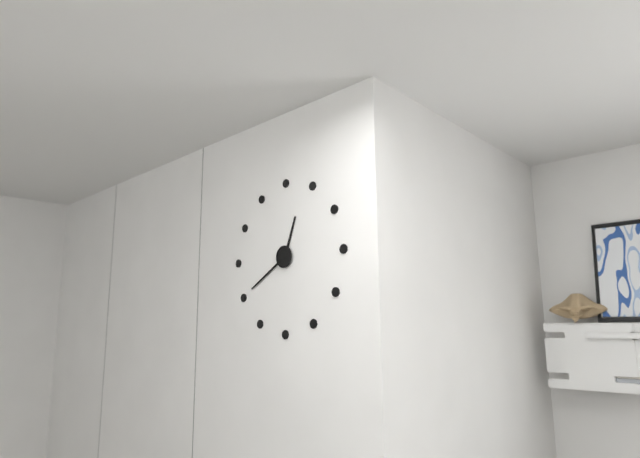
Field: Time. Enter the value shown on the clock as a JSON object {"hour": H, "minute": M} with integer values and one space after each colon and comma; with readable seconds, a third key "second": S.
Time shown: {"hour": 12, "minute": 40}
